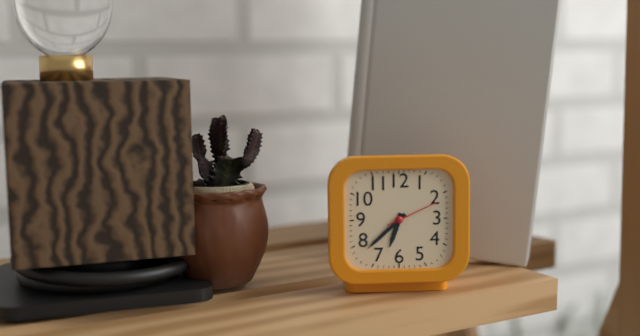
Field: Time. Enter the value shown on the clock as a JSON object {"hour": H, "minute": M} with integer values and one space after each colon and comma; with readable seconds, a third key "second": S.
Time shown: {"hour": 6, "minute": 38, "second": 11}
